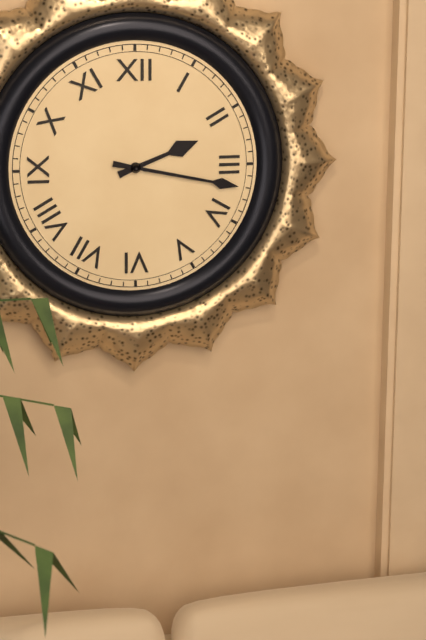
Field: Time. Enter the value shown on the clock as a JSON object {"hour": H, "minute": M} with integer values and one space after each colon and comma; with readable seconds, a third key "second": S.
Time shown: {"hour": 2, "minute": 17}
